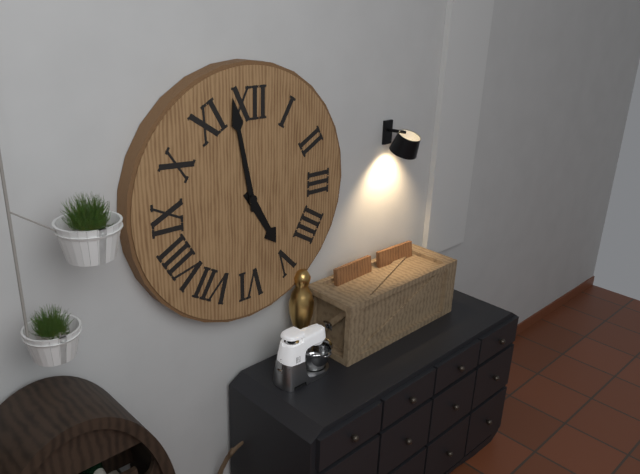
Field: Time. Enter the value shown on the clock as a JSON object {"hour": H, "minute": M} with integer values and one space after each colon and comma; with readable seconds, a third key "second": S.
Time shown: {"hour": 4, "minute": 58}
